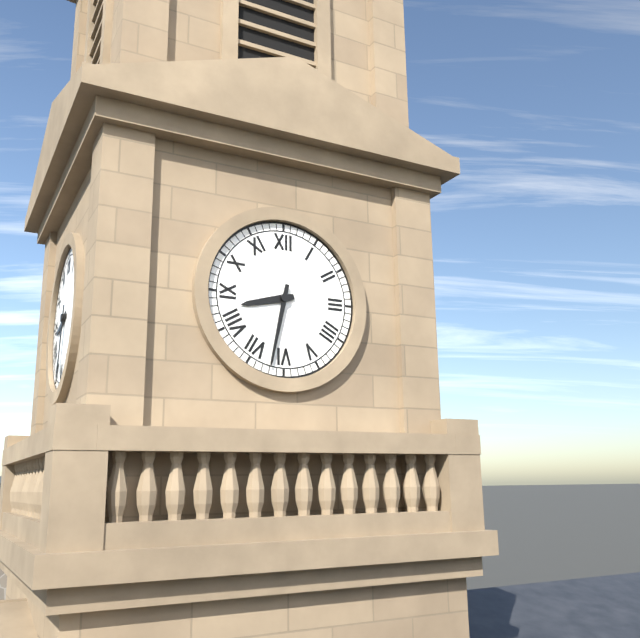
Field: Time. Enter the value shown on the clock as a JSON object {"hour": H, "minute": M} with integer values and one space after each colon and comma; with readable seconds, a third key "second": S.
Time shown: {"hour": 8, "minute": 32}
